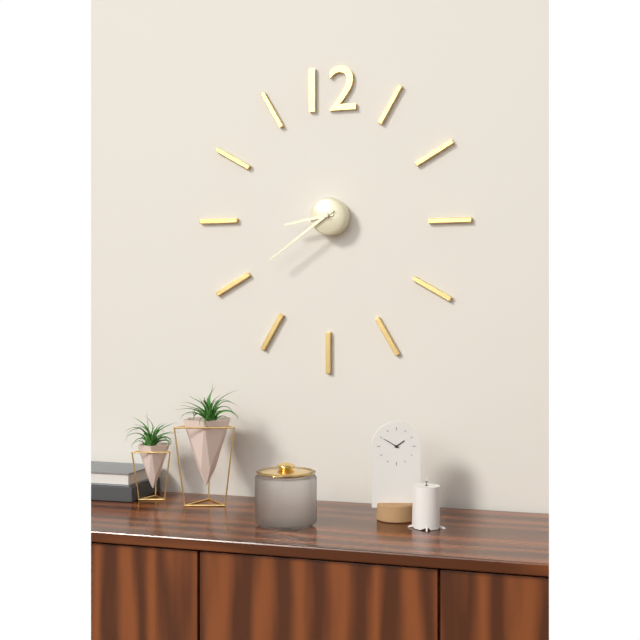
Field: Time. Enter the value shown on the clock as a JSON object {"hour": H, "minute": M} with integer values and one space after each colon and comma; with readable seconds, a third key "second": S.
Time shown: {"hour": 8, "minute": 39}
